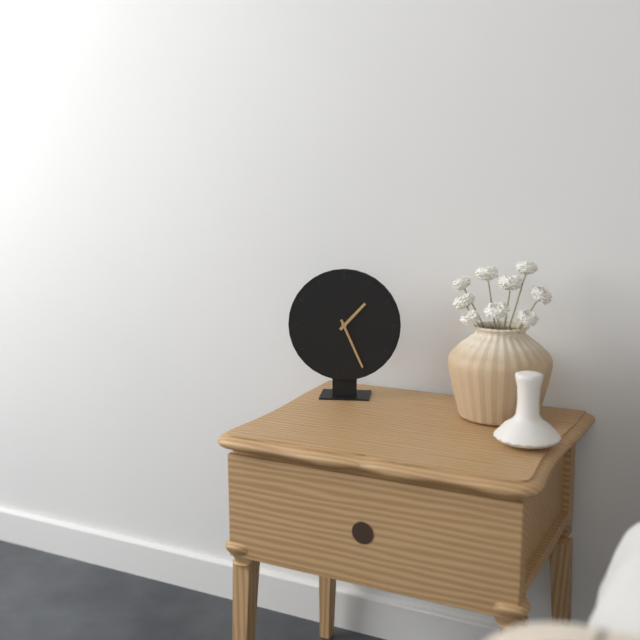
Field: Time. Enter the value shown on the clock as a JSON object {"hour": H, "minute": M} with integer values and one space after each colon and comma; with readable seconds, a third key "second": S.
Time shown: {"hour": 1, "minute": 26}
